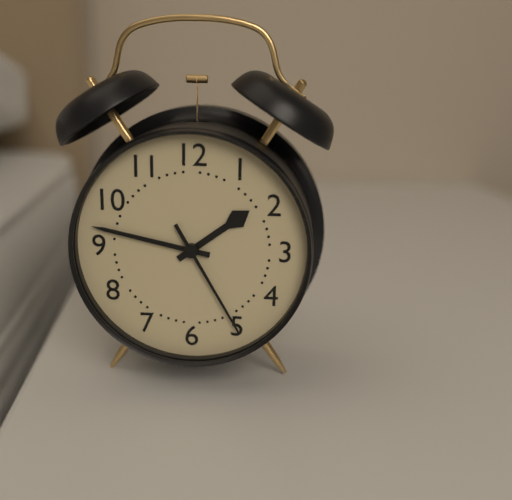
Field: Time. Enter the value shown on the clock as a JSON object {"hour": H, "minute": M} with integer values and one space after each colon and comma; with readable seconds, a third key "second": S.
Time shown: {"hour": 1, "minute": 47, "second": 25}
